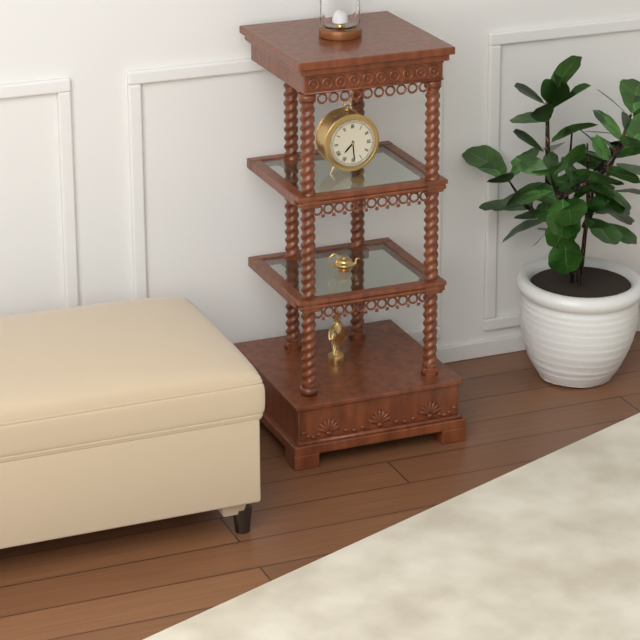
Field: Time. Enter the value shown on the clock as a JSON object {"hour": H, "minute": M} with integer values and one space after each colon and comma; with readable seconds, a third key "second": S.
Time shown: {"hour": 7, "minute": 29}
